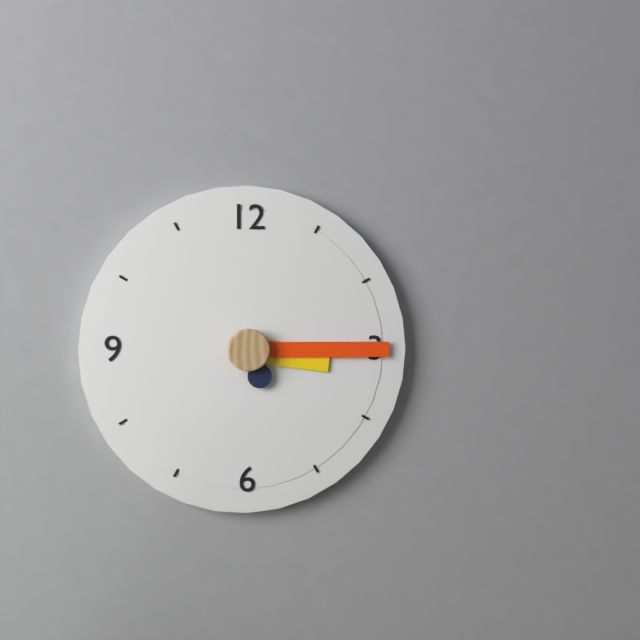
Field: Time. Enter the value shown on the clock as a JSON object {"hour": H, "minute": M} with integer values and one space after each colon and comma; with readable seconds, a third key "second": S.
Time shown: {"hour": 3, "minute": 15, "second": 26}
